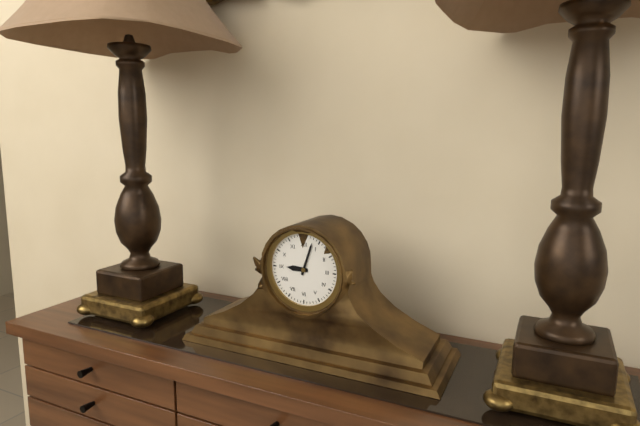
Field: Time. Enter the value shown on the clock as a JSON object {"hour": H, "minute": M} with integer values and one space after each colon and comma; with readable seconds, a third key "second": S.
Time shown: {"hour": 9, "minute": 3}
